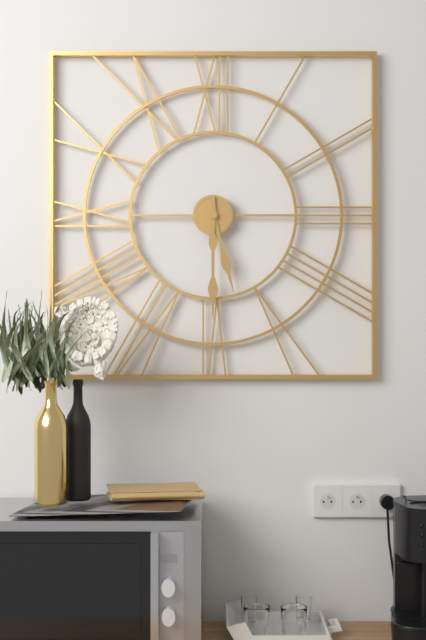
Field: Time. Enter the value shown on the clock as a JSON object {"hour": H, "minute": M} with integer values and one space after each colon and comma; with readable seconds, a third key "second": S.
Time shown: {"hour": 5, "minute": 30}
